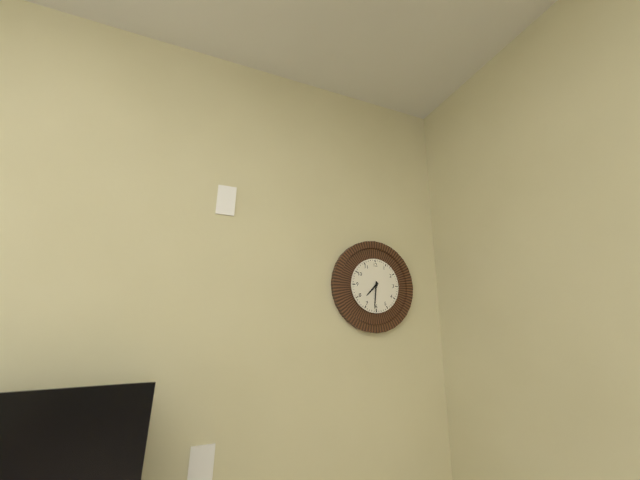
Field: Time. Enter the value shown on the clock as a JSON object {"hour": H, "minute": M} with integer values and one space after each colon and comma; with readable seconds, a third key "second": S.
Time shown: {"hour": 7, "minute": 31}
